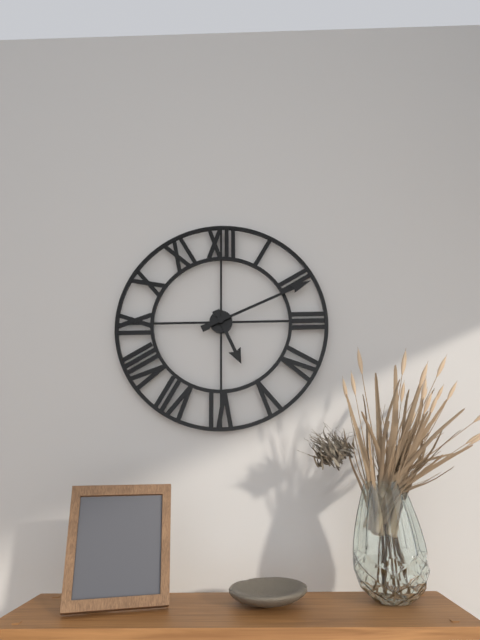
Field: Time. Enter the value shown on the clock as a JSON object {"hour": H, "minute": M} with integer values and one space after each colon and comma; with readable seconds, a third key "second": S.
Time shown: {"hour": 5, "minute": 11}
